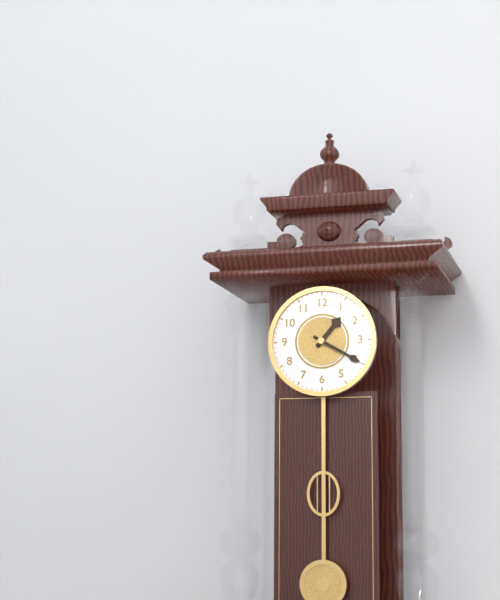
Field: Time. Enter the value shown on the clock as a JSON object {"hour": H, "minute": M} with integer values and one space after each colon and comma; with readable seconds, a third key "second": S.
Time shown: {"hour": 1, "minute": 20}
